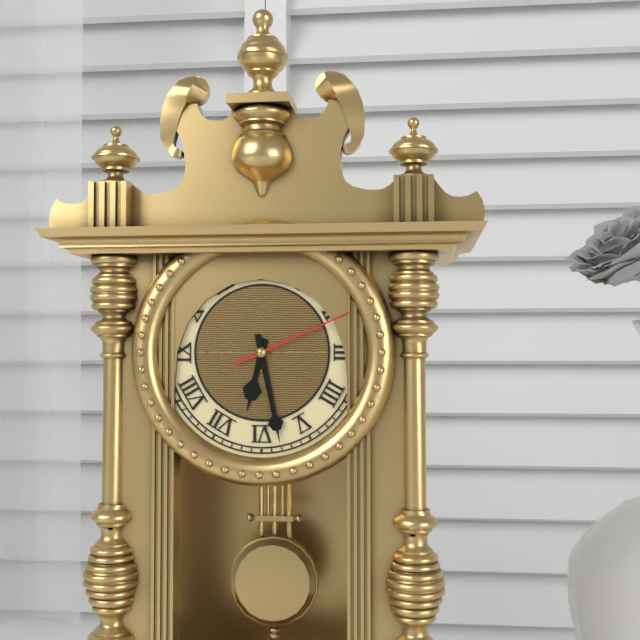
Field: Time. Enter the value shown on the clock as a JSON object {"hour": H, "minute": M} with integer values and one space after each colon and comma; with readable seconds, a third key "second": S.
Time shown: {"hour": 6, "minute": 28, "second": 11}
